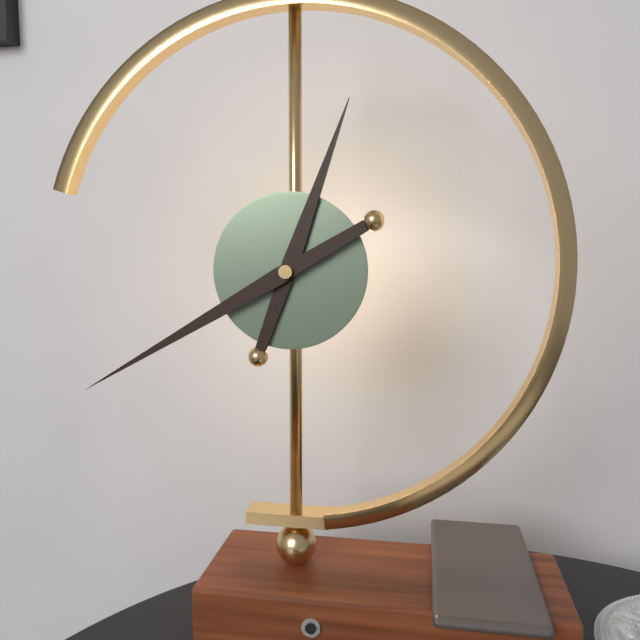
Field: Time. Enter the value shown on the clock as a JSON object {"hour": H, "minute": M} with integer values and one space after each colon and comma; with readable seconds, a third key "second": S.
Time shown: {"hour": 12, "minute": 40}
